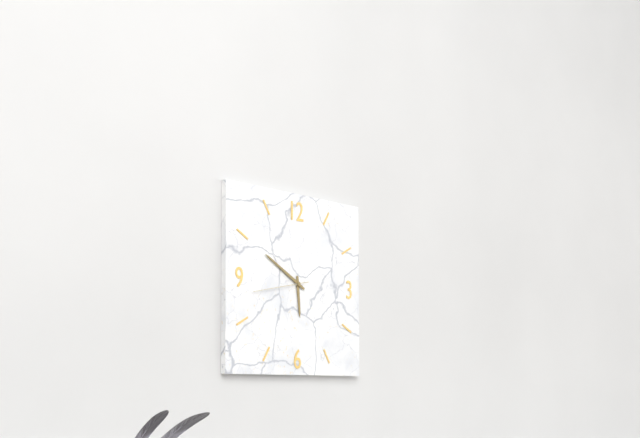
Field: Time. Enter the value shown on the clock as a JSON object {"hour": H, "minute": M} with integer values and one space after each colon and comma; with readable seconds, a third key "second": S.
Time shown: {"hour": 5, "minute": 50, "second": 43}
